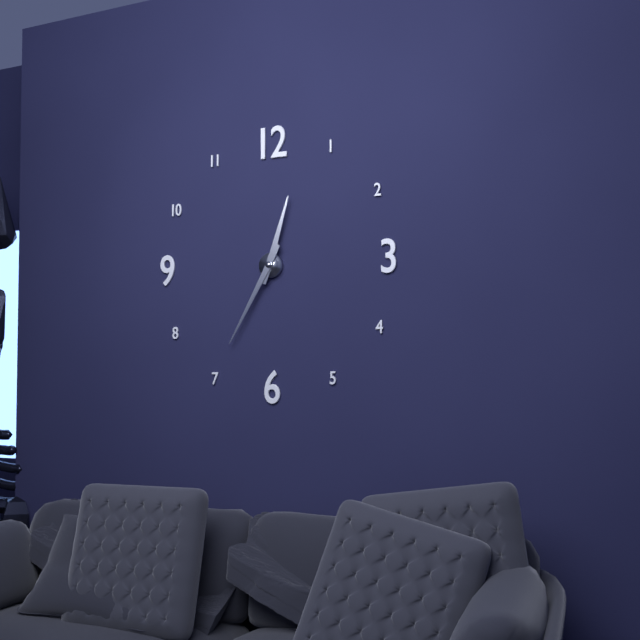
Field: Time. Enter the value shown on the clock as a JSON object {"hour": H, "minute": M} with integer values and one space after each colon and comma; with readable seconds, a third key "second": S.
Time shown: {"hour": 12, "minute": 35}
